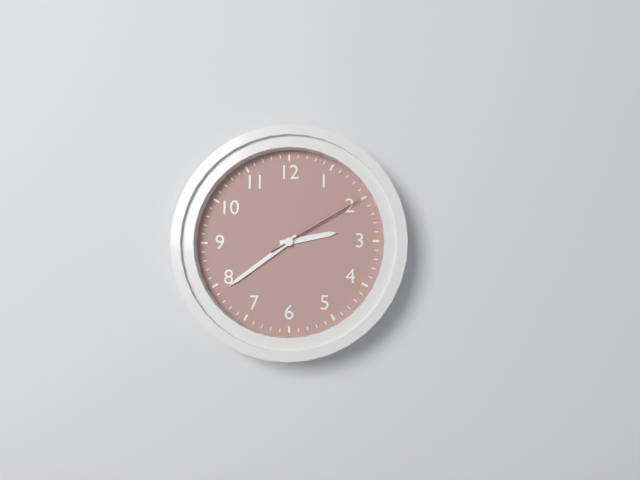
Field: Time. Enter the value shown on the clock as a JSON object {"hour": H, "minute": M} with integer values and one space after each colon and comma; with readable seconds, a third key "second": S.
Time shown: {"hour": 2, "minute": 39, "second": 10}
